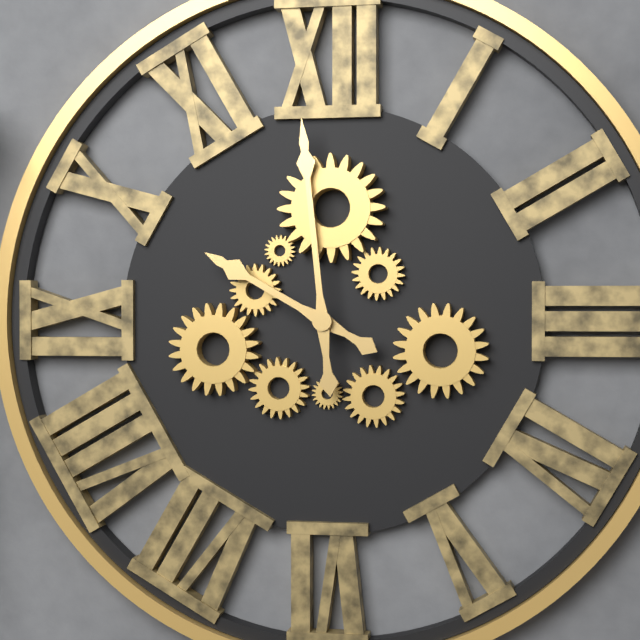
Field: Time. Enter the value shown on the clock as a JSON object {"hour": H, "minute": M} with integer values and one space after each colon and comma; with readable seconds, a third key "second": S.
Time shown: {"hour": 9, "minute": 59}
